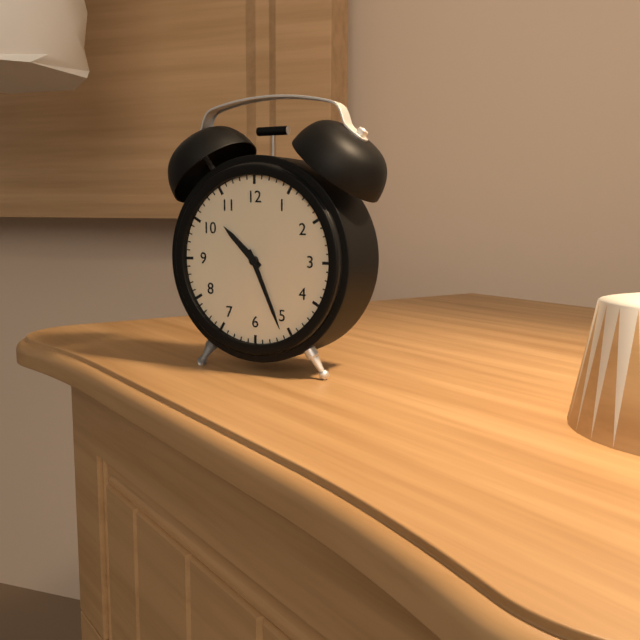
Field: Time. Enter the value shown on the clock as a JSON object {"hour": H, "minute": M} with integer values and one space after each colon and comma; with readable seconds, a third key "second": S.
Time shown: {"hour": 10, "minute": 26}
